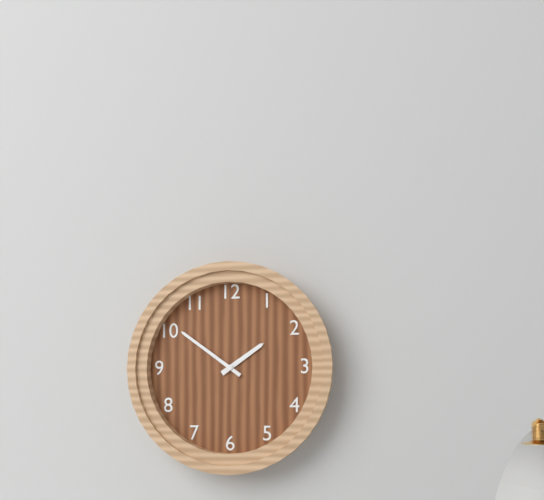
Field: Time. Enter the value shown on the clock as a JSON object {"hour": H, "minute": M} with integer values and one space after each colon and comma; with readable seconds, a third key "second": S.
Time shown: {"hour": 1, "minute": 51}
